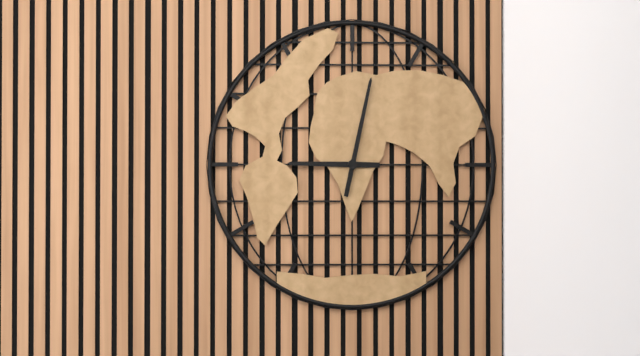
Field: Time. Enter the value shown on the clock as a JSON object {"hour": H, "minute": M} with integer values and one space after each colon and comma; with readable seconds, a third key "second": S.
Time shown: {"hour": 9, "minute": 2}
